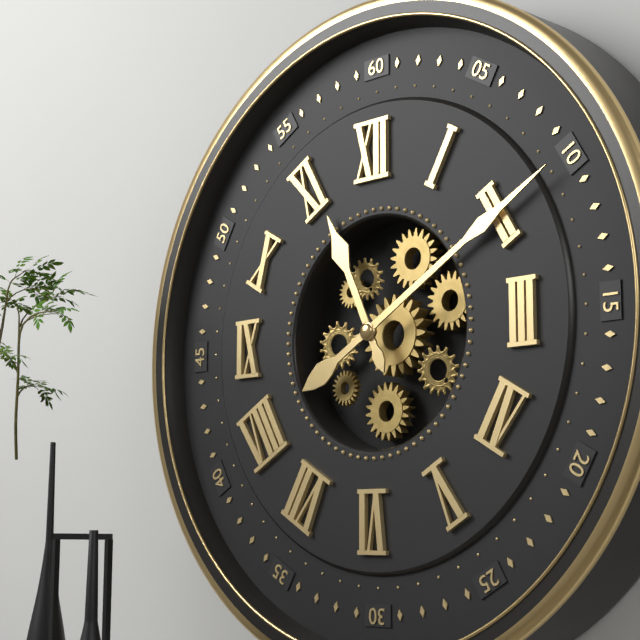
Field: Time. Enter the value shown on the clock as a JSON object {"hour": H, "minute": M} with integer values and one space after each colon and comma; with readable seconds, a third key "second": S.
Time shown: {"hour": 11, "minute": 10}
